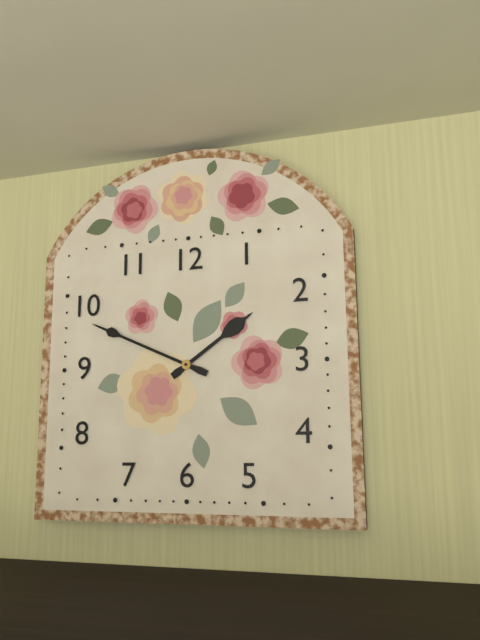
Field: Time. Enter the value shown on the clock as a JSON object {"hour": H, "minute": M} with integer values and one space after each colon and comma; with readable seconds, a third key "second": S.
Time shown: {"hour": 1, "minute": 49}
